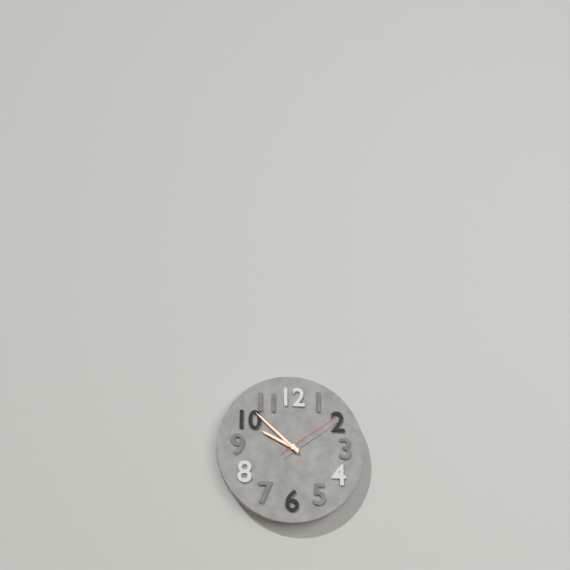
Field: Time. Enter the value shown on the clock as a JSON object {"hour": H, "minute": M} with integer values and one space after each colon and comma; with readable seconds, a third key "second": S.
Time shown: {"hour": 9, "minute": 52, "second": 9}
